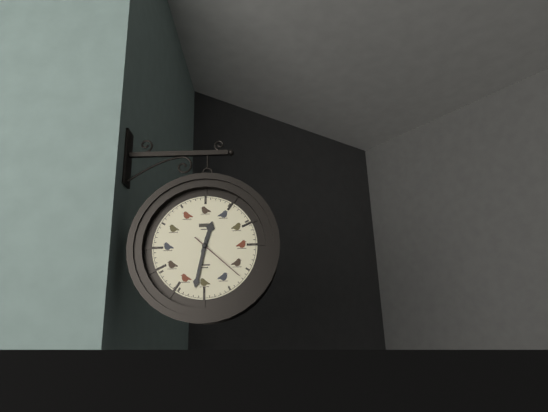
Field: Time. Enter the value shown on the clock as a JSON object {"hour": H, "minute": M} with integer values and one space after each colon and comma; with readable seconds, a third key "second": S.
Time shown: {"hour": 12, "minute": 32, "second": 22}
